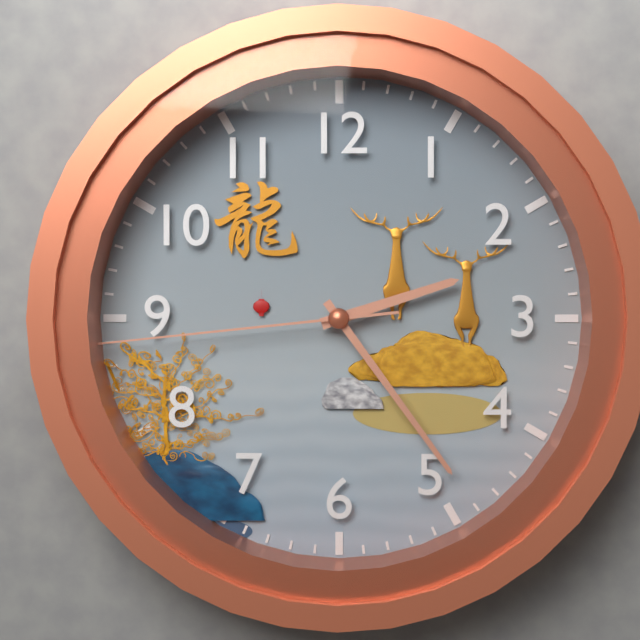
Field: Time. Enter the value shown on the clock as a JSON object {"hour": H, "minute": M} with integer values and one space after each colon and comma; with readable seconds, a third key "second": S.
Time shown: {"hour": 2, "minute": 24, "second": 44}
